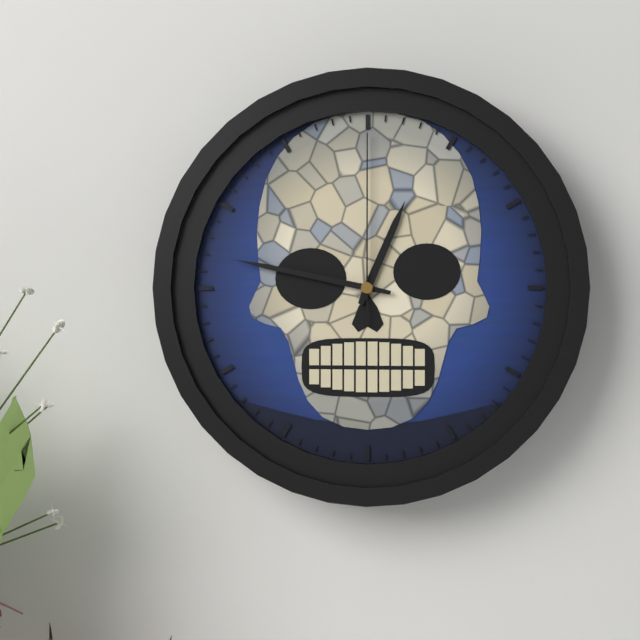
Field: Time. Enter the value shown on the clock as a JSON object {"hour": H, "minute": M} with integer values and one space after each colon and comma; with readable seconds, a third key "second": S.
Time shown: {"hour": 12, "minute": 47, "second": 0}
